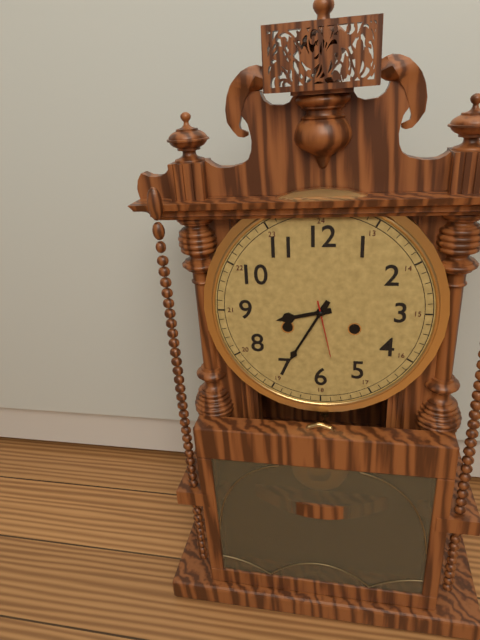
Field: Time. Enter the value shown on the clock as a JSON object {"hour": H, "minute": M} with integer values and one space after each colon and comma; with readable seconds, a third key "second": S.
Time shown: {"hour": 8, "minute": 35, "second": 28}
